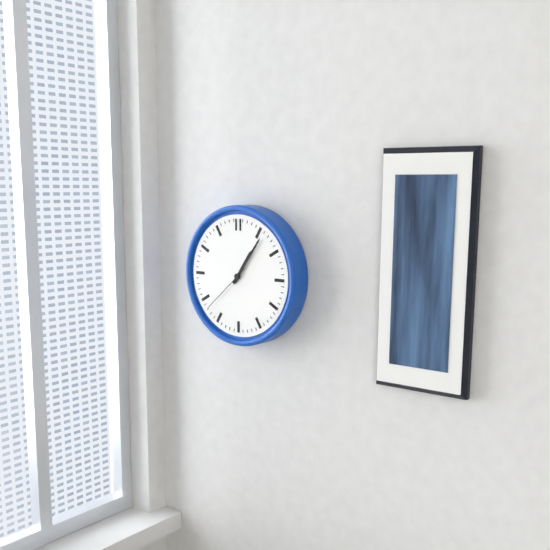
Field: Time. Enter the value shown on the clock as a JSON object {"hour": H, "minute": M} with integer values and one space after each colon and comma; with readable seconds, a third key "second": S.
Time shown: {"hour": 1, "minute": 6, "second": 38}
